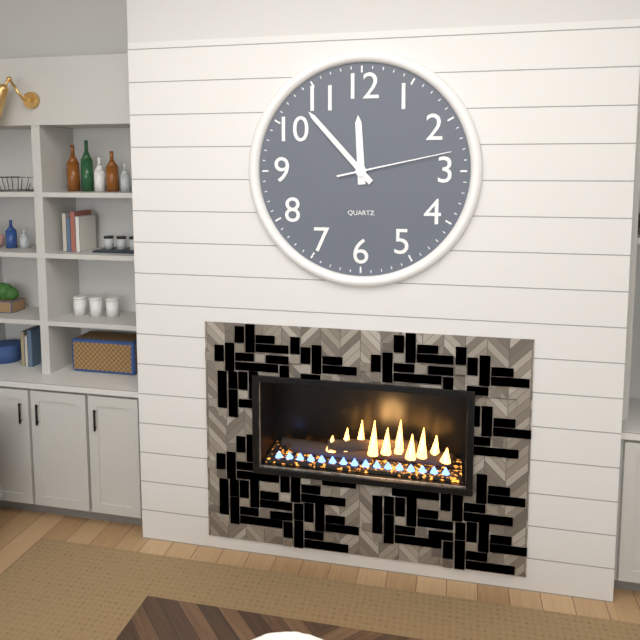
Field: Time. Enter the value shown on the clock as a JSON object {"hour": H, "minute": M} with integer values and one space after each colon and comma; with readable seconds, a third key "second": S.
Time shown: {"hour": 11, "minute": 53, "second": 13}
